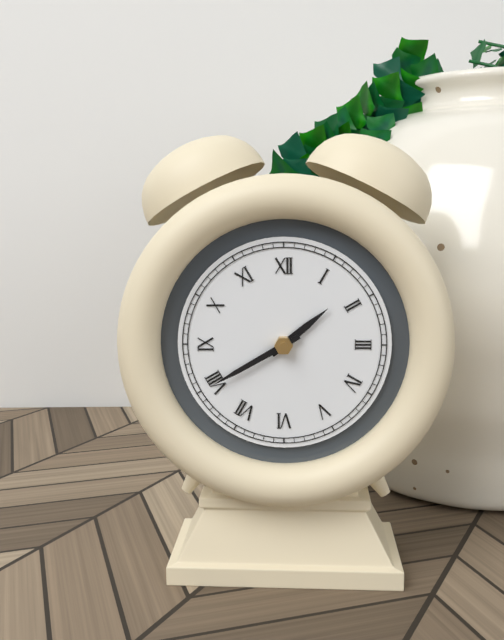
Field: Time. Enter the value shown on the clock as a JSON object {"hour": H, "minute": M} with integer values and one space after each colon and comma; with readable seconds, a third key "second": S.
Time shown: {"hour": 1, "minute": 40}
